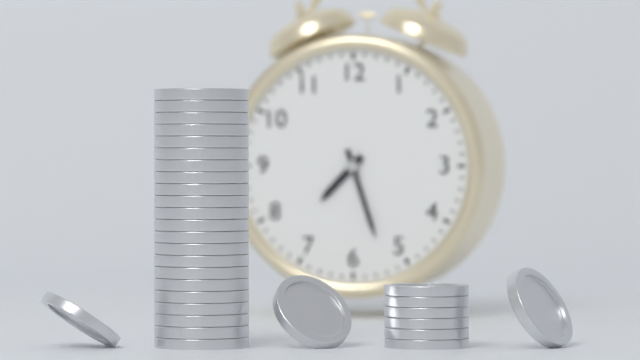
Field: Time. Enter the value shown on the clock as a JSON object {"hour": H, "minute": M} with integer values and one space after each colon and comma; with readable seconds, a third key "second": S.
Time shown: {"hour": 7, "minute": 27}
